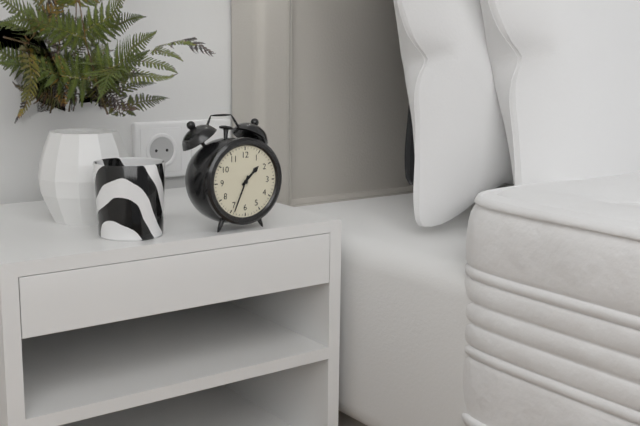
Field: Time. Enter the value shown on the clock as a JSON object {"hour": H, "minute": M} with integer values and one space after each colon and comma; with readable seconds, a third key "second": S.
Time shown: {"hour": 1, "minute": 34}
